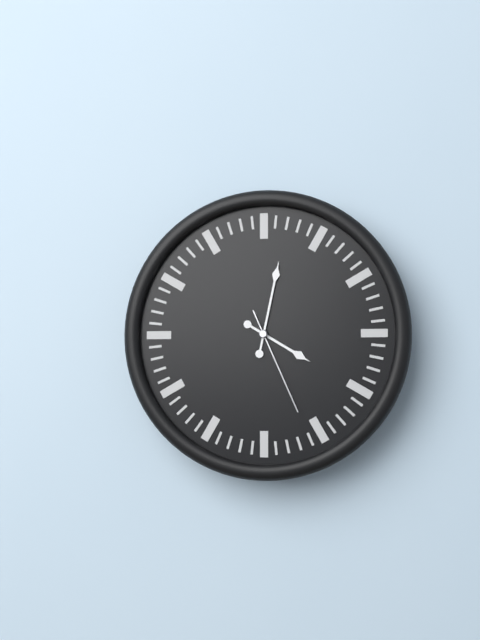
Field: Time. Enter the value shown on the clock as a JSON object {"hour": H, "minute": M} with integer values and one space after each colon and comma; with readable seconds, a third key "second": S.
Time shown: {"hour": 4, "minute": 2, "second": 26}
